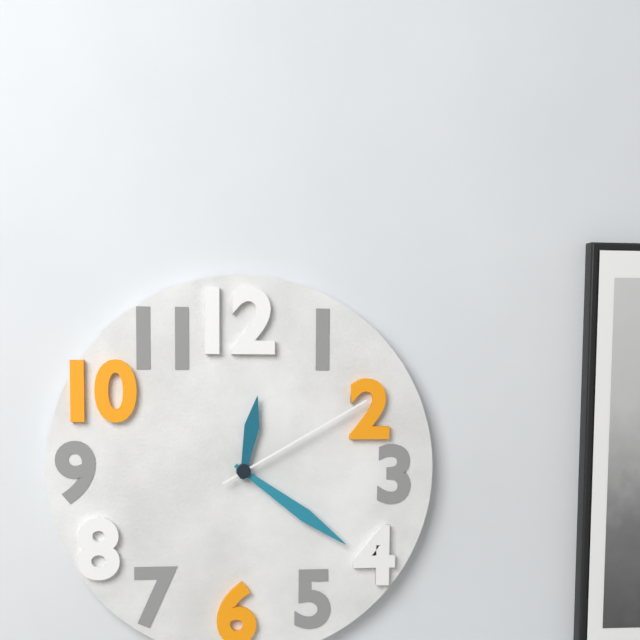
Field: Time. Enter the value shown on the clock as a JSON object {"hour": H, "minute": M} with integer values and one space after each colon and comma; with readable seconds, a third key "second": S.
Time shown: {"hour": 12, "minute": 21, "second": 10}
